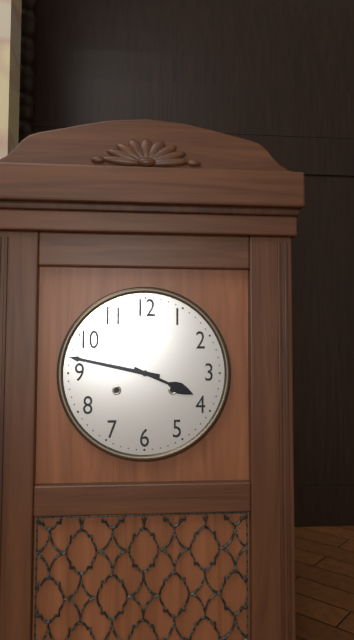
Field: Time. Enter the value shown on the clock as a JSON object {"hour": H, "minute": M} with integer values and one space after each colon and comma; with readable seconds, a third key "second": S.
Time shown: {"hour": 3, "minute": 47}
